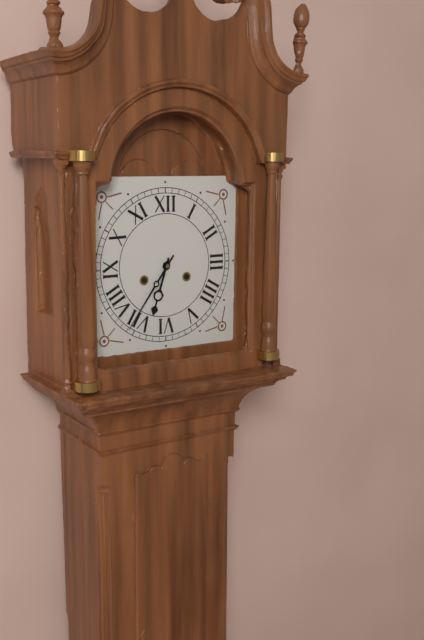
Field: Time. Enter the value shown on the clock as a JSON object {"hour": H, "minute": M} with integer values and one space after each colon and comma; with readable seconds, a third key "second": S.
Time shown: {"hour": 6, "minute": 36}
